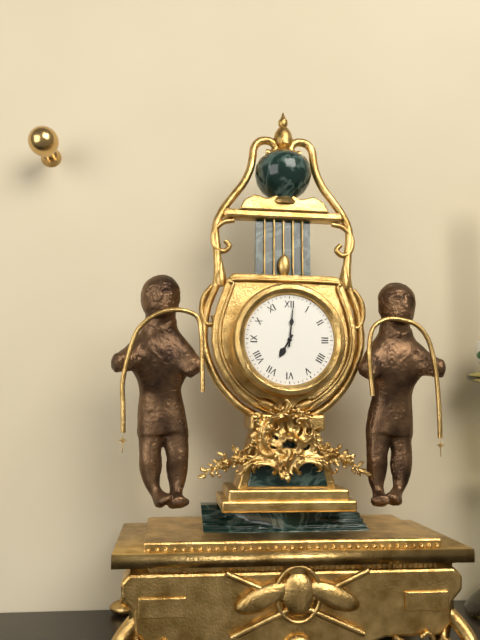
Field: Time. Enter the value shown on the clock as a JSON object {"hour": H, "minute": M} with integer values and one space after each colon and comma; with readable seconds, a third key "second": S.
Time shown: {"hour": 7, "minute": 1}
